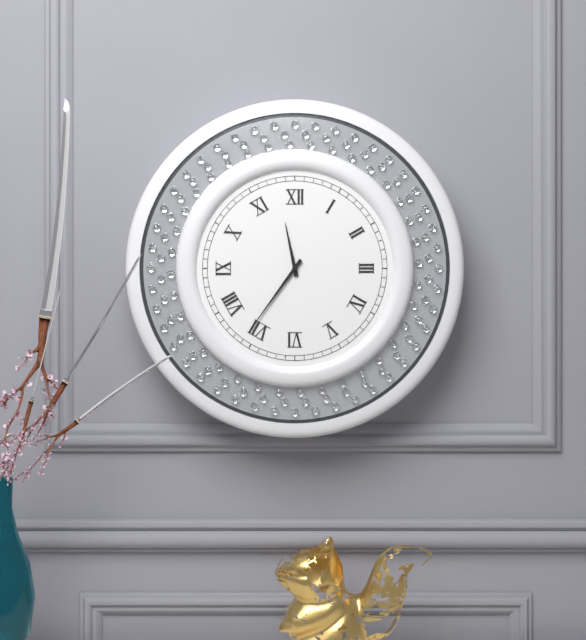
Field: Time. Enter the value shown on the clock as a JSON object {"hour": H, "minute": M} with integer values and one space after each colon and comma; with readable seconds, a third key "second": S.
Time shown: {"hour": 11, "minute": 36}
